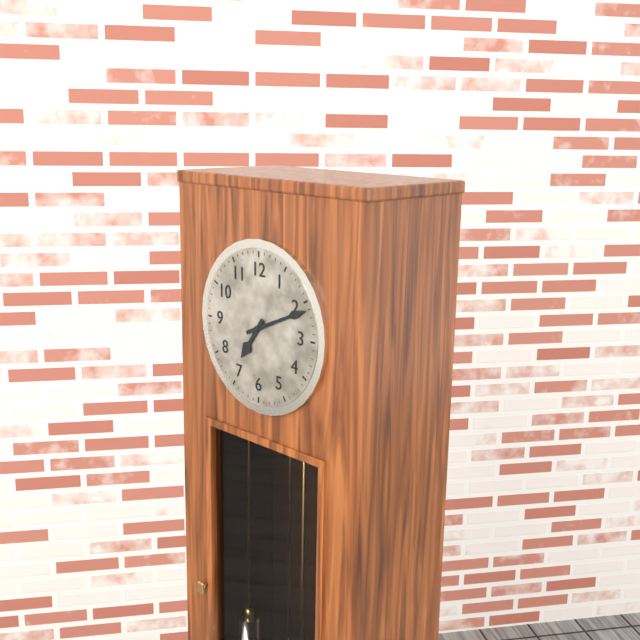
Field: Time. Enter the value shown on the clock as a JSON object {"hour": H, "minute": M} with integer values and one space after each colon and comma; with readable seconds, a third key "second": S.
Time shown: {"hour": 7, "minute": 11}
